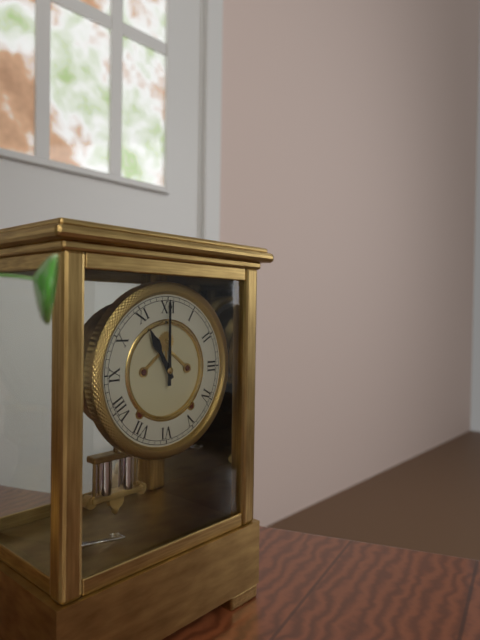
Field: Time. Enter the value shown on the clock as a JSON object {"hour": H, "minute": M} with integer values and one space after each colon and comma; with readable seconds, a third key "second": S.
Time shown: {"hour": 11, "minute": 0}
